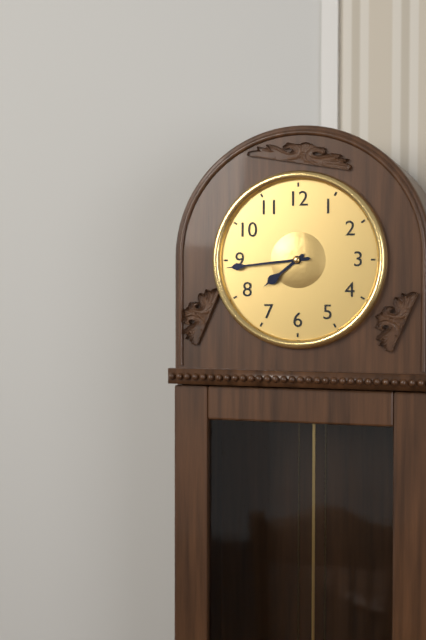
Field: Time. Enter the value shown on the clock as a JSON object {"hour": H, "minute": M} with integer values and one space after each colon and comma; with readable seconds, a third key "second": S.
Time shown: {"hour": 7, "minute": 44}
